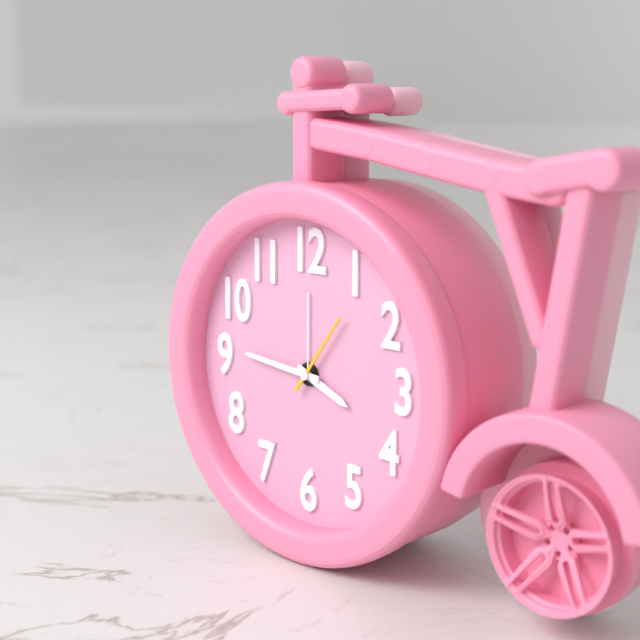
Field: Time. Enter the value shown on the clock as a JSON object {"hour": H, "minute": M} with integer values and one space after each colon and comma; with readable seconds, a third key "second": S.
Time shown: {"hour": 3, "minute": 46, "second": 6}
